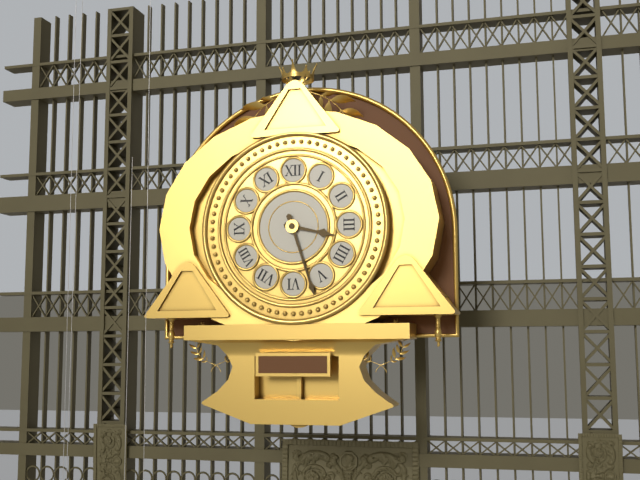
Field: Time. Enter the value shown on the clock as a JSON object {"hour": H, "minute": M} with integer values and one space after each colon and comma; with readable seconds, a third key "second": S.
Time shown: {"hour": 3, "minute": 27}
